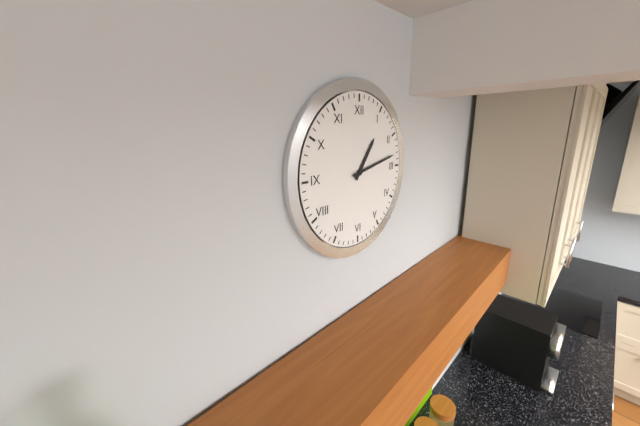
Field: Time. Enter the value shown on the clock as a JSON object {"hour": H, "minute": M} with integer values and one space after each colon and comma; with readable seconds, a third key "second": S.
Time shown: {"hour": 1, "minute": 13}
